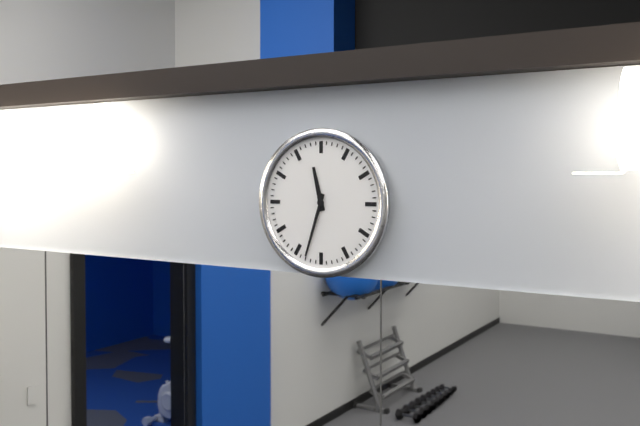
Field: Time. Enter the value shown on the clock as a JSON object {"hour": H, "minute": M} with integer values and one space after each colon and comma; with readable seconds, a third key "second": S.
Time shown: {"hour": 11, "minute": 33}
